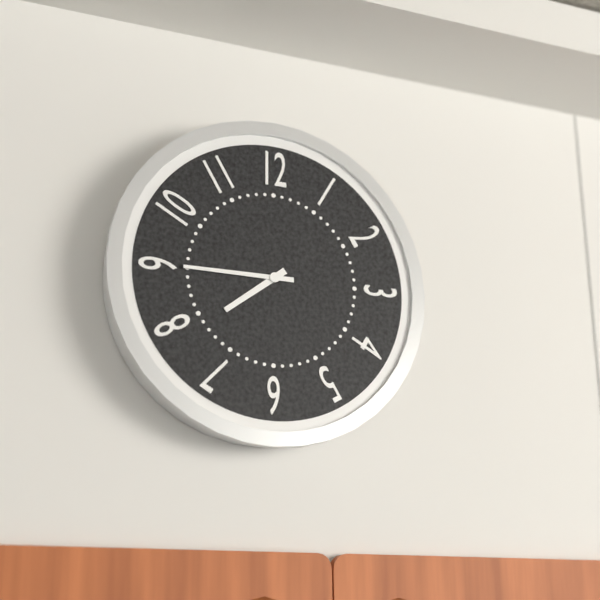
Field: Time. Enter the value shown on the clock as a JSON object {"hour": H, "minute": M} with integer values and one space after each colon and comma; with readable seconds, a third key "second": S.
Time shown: {"hour": 7, "minute": 45}
